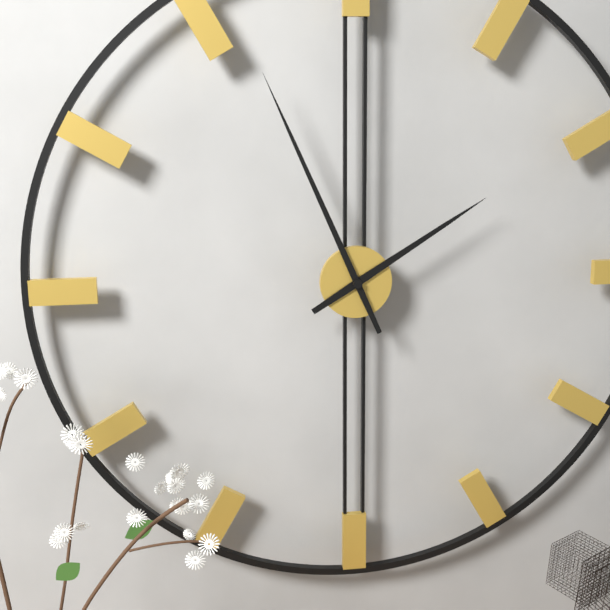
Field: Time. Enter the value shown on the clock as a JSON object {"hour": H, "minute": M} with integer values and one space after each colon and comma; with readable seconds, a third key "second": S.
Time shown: {"hour": 1, "minute": 56}
